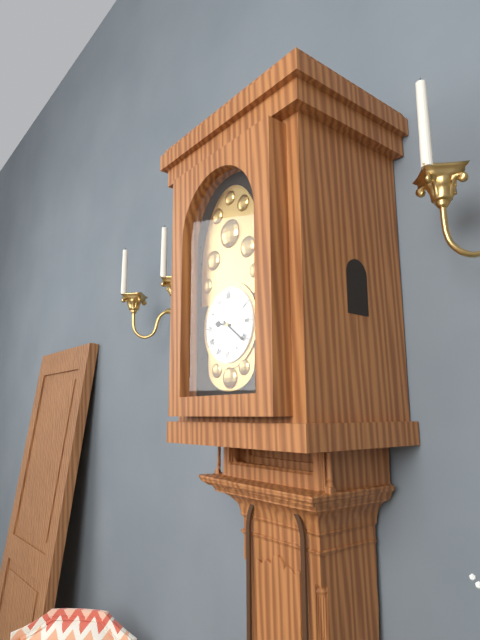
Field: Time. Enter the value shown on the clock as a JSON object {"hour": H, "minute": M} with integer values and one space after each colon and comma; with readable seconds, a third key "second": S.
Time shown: {"hour": 9, "minute": 21}
